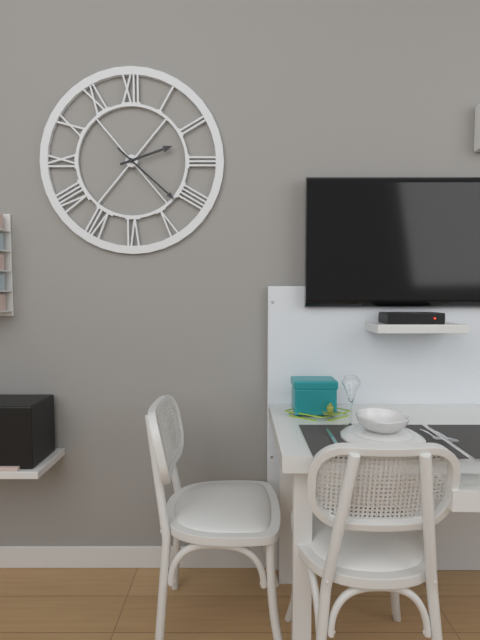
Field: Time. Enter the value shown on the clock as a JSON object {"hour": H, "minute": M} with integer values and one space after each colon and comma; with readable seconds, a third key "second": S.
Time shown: {"hour": 2, "minute": 22}
